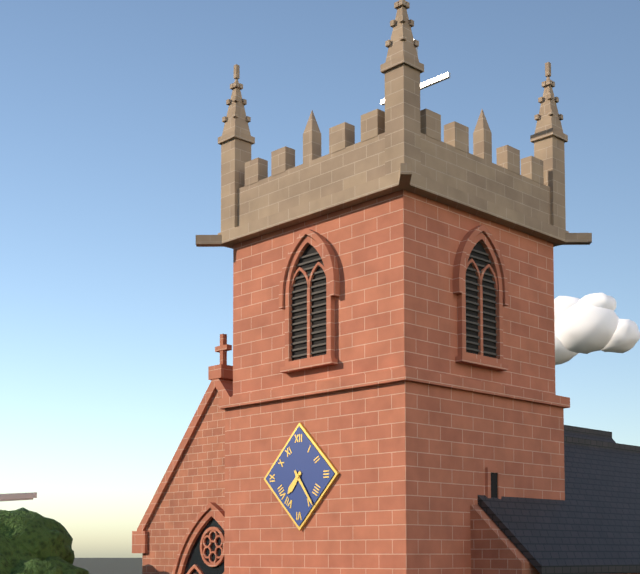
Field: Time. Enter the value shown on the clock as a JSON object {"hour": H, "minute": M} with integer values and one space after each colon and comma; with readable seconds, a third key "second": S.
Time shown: {"hour": 7, "minute": 24}
